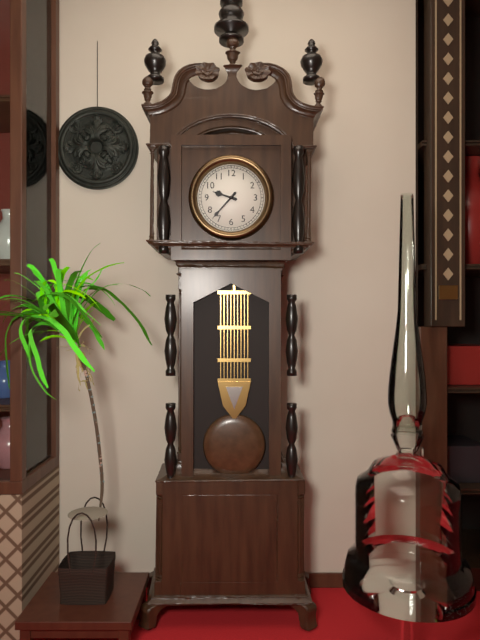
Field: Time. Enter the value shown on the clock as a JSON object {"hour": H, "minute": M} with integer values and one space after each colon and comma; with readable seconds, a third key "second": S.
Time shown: {"hour": 9, "minute": 37}
